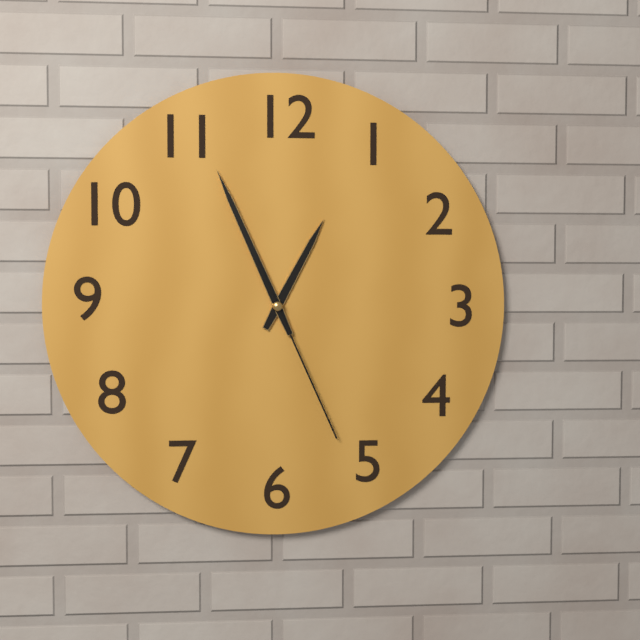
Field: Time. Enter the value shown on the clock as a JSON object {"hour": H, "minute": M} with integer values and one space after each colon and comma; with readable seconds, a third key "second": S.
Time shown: {"hour": 12, "minute": 56, "second": 26}
